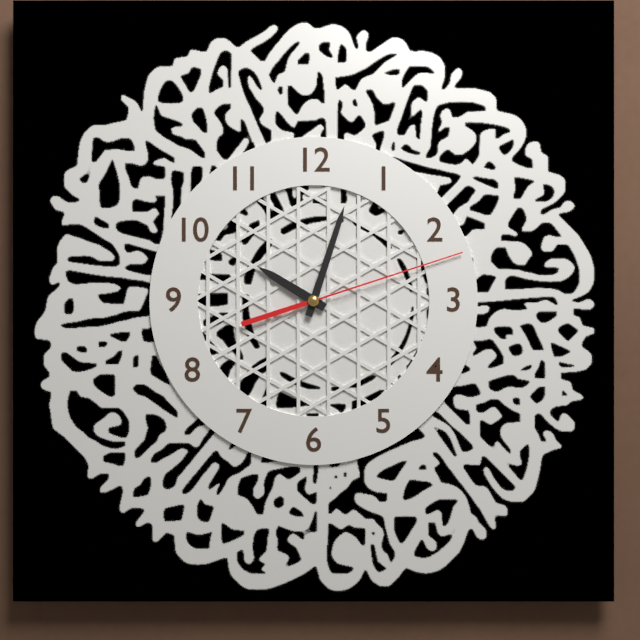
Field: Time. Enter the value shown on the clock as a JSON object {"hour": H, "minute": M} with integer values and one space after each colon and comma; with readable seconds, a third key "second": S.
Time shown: {"hour": 10, "minute": 3, "second": 12}
